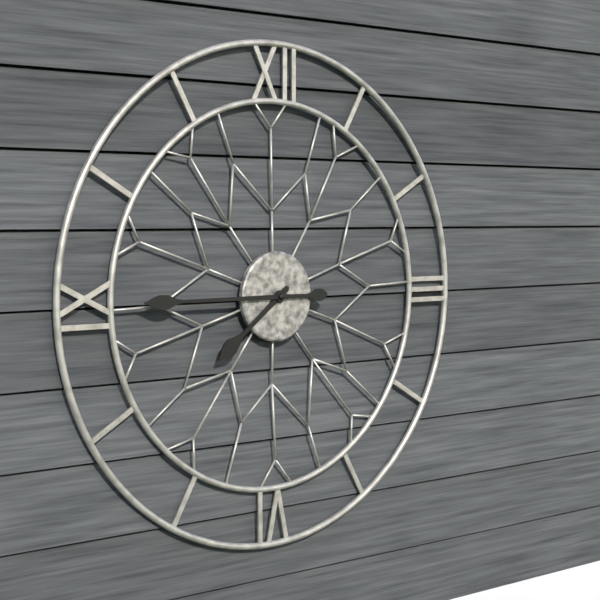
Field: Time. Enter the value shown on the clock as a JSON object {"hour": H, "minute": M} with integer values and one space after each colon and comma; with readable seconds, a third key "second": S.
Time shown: {"hour": 7, "minute": 45}
